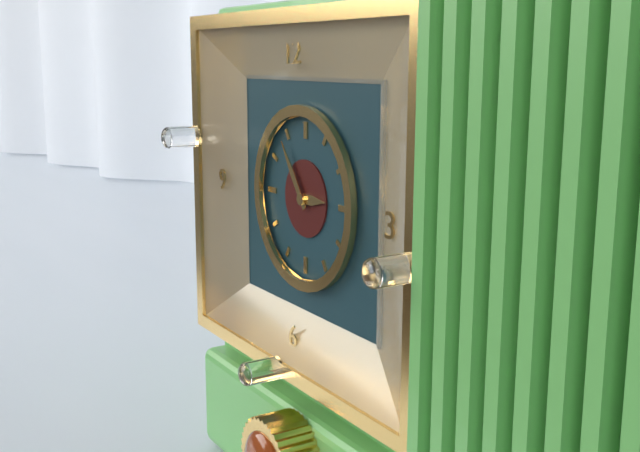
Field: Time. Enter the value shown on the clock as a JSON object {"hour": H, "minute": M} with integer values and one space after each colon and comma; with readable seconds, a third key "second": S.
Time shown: {"hour": 2, "minute": 54}
